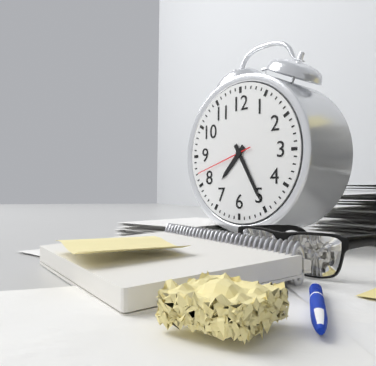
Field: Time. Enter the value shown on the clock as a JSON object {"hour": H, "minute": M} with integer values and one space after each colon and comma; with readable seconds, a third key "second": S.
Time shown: {"hour": 7, "minute": 25, "second": 42}
